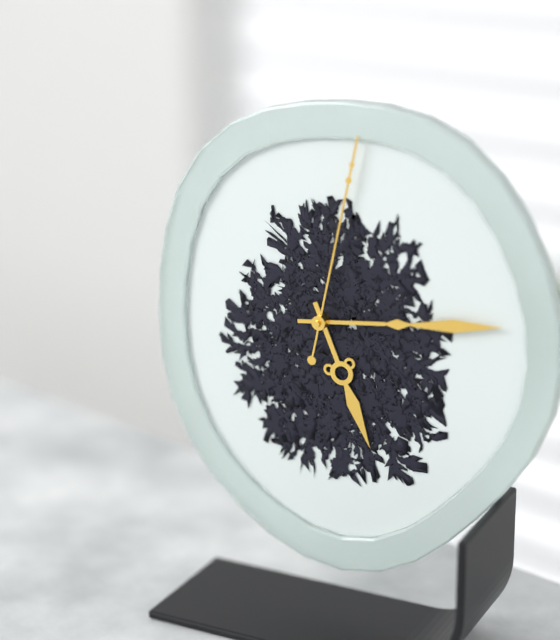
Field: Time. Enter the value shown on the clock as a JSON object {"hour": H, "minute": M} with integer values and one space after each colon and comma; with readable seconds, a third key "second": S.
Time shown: {"hour": 5, "minute": 14, "second": 2}
